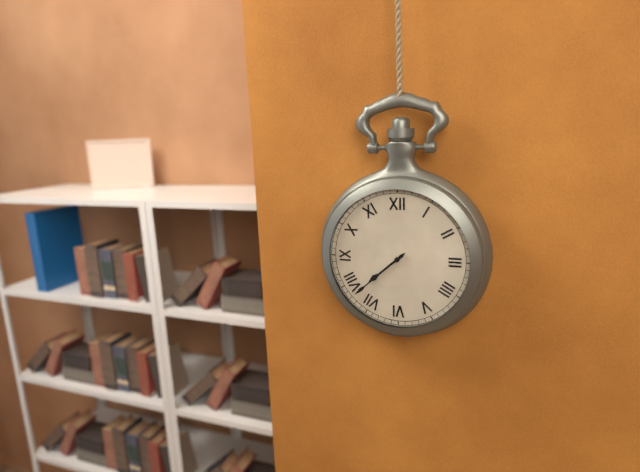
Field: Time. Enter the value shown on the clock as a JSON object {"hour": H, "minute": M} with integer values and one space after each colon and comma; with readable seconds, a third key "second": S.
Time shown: {"hour": 7, "minute": 38}
